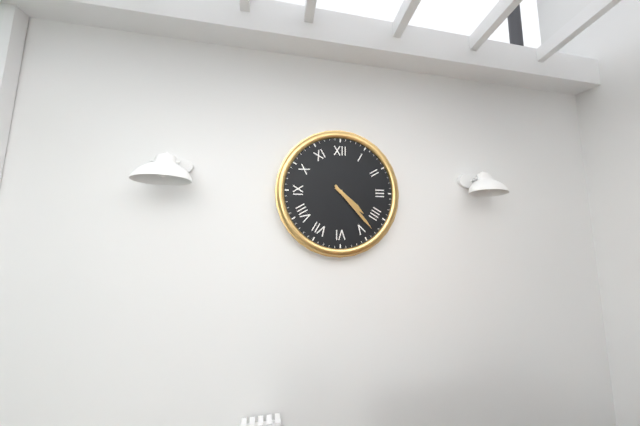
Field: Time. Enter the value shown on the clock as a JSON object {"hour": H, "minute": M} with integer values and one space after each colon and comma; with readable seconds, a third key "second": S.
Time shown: {"hour": 4, "minute": 23}
